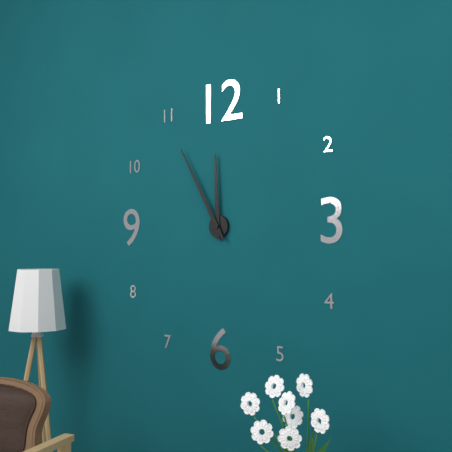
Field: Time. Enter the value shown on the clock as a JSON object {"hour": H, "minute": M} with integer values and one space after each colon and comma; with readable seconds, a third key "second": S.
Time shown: {"hour": 11, "minute": 55}
